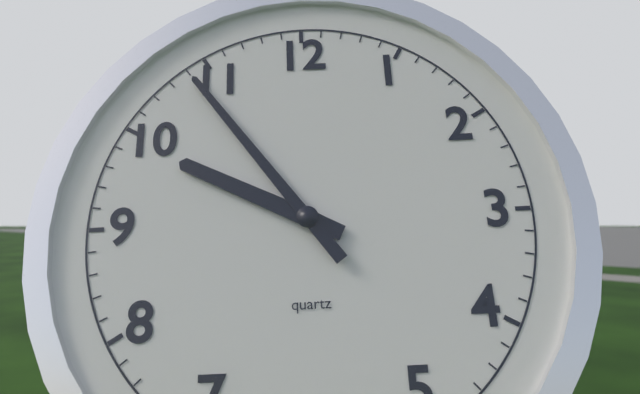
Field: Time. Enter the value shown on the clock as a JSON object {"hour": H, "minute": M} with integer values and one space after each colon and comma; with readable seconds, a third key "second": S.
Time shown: {"hour": 9, "minute": 54}
